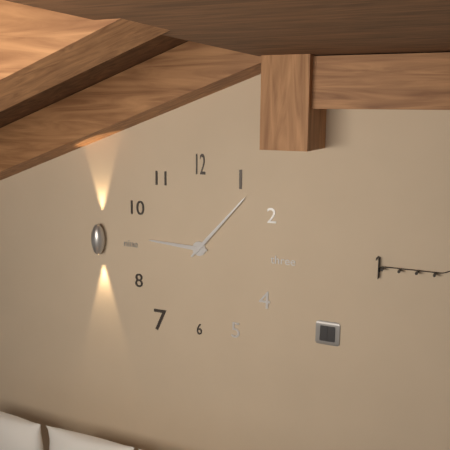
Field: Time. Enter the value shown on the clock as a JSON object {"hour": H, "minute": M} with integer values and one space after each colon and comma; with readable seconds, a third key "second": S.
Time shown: {"hour": 9, "minute": 7}
